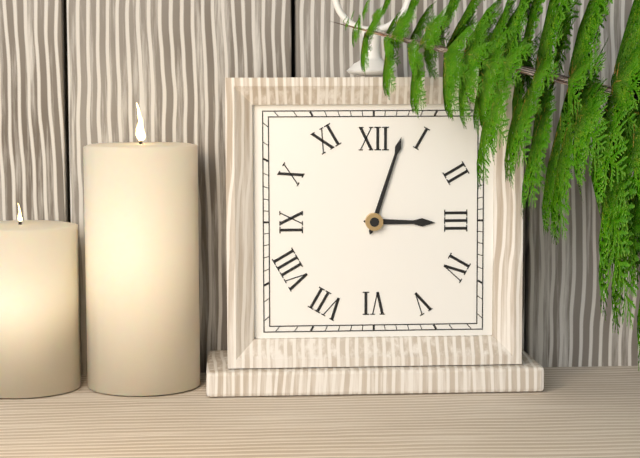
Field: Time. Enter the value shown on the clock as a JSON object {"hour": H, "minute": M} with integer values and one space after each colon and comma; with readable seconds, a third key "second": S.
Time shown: {"hour": 3, "minute": 3}
